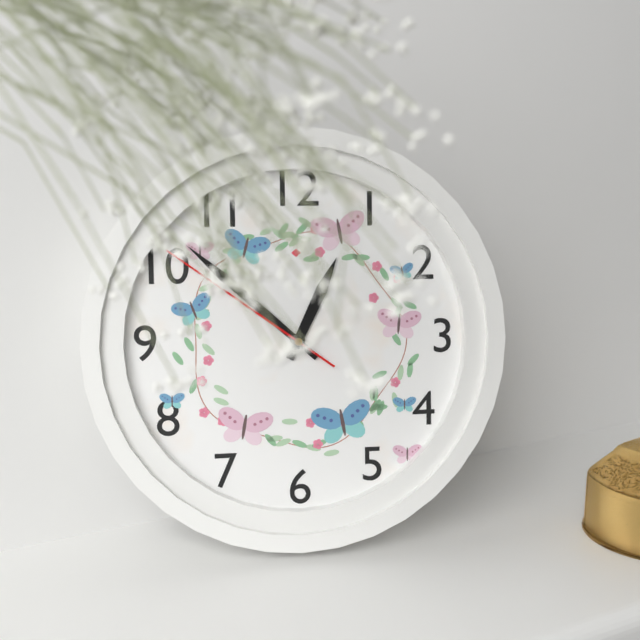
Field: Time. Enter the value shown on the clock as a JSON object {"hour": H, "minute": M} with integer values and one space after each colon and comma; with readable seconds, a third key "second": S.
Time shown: {"hour": 12, "minute": 52, "second": 51}
